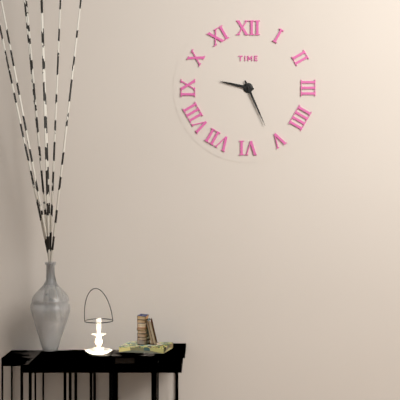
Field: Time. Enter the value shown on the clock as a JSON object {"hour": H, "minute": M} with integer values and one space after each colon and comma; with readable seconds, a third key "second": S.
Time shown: {"hour": 9, "minute": 26}
